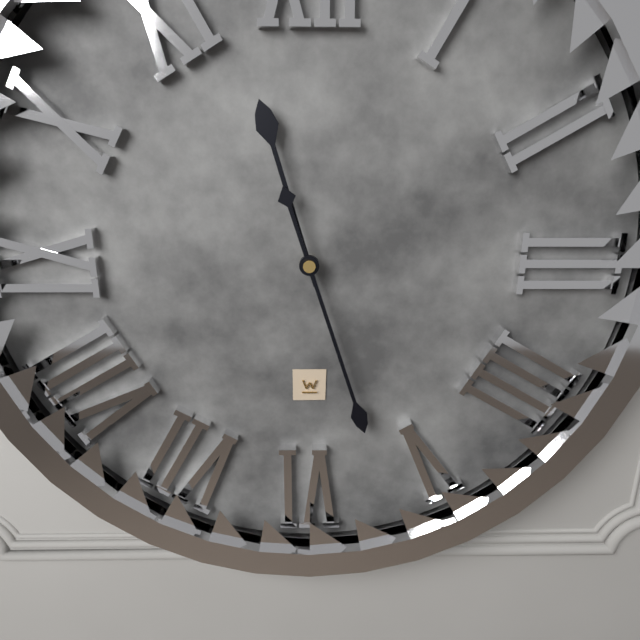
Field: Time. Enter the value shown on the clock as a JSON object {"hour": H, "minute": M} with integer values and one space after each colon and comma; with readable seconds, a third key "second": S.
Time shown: {"hour": 11, "minute": 27}
